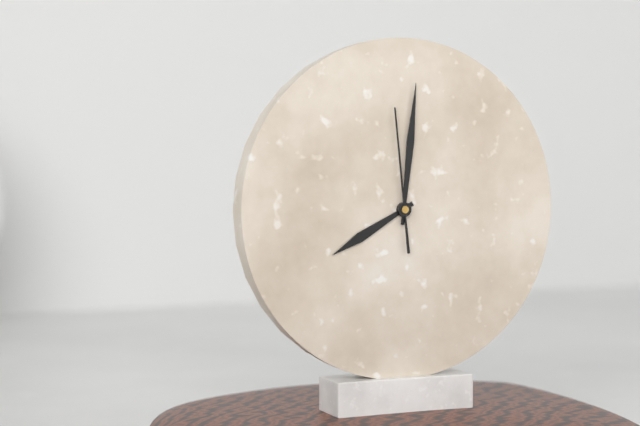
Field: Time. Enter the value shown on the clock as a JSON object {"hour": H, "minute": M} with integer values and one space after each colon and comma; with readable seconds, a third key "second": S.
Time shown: {"hour": 8, "minute": 1, "second": 59}
